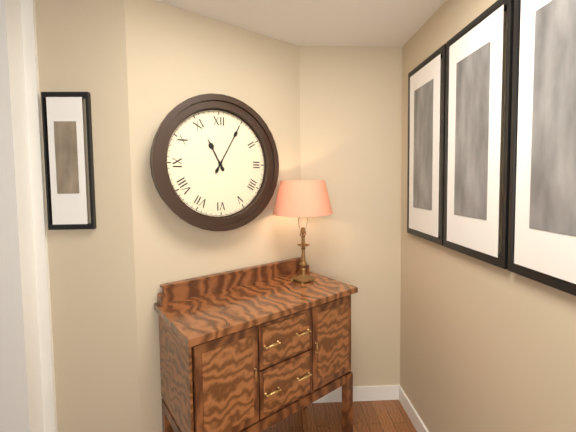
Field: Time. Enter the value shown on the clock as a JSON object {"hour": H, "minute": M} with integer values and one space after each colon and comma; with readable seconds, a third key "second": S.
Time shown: {"hour": 11, "minute": 5}
